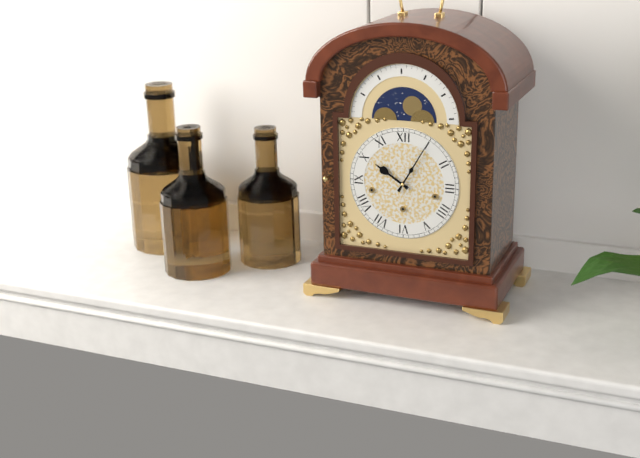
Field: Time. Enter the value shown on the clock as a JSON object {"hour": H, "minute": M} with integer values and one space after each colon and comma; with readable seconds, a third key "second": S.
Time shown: {"hour": 10, "minute": 5}
